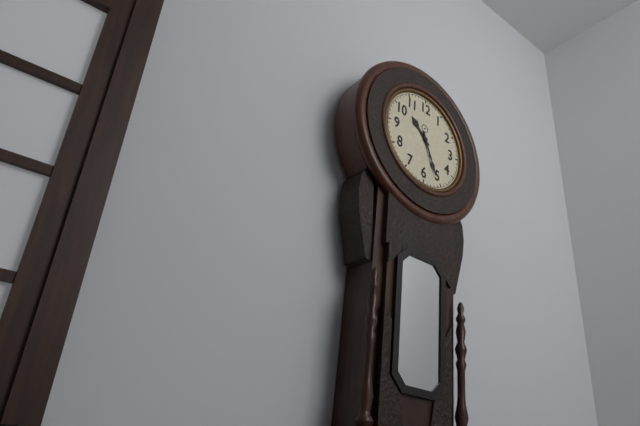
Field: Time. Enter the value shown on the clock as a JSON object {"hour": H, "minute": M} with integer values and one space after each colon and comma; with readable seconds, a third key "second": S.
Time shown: {"hour": 10, "minute": 26}
